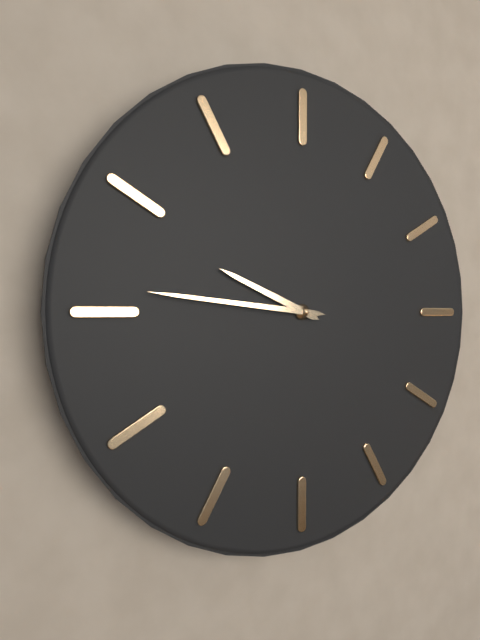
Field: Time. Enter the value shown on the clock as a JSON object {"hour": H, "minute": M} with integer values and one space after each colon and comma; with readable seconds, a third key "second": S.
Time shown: {"hour": 9, "minute": 46}
